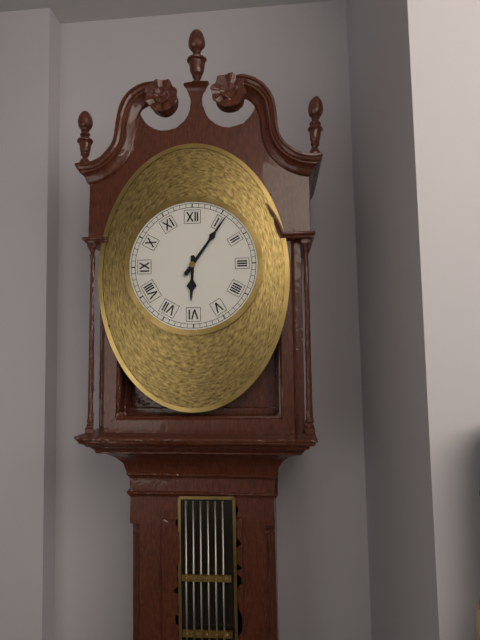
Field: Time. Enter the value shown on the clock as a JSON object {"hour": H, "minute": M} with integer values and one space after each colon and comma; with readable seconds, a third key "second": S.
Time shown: {"hour": 6, "minute": 6}
